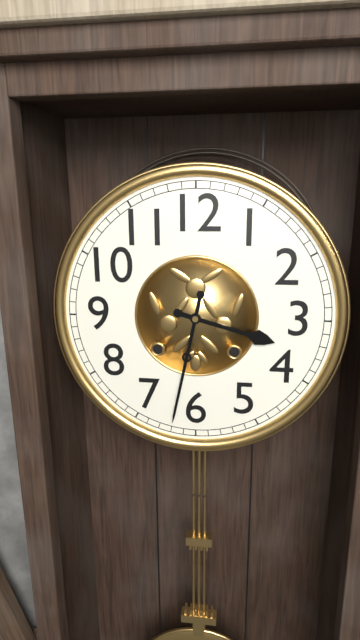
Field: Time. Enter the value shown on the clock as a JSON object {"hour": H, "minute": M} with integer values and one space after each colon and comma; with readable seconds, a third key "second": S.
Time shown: {"hour": 3, "minute": 32}
